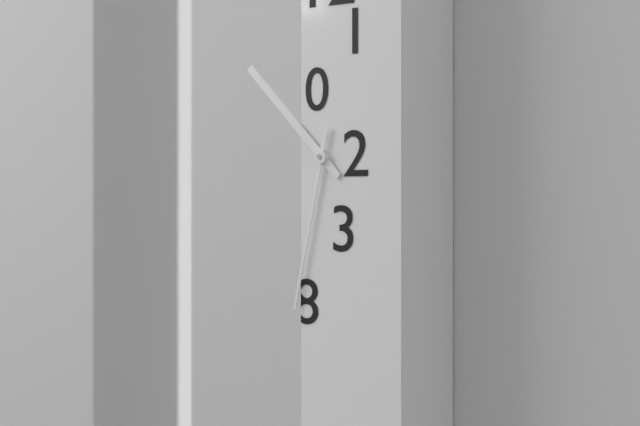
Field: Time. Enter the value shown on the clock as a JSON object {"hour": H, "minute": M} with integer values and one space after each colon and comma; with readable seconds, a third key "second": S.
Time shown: {"hour": 10, "minute": 32}
